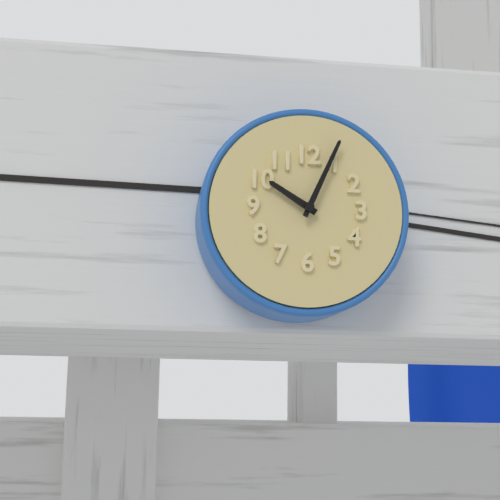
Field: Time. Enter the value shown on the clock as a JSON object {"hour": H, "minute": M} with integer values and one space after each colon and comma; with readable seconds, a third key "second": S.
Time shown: {"hour": 10, "minute": 4}
